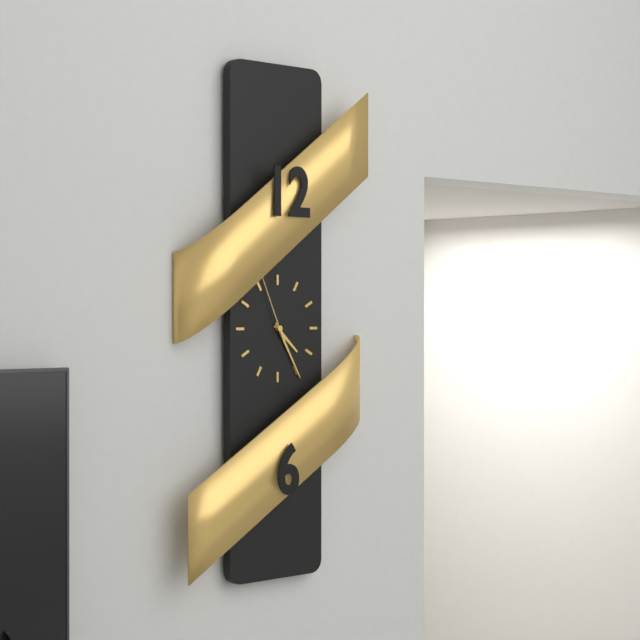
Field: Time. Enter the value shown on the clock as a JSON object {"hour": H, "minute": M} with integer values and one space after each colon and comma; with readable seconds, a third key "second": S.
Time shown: {"hour": 4, "minute": 25, "second": 56}
